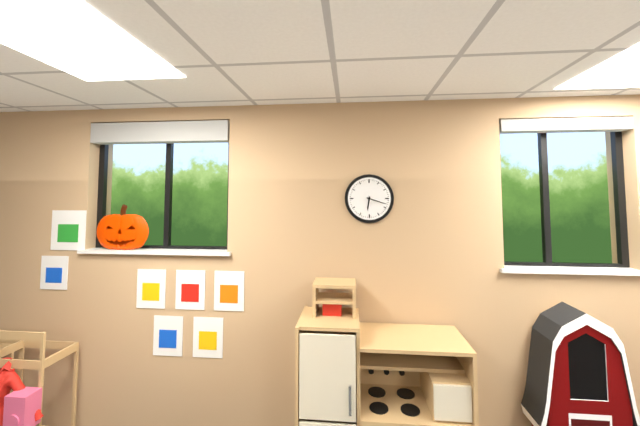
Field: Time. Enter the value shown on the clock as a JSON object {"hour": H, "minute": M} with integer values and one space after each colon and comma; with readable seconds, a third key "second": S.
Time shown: {"hour": 6, "minute": 18}
